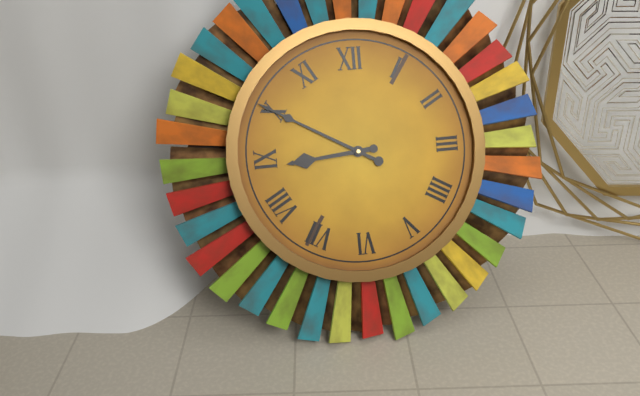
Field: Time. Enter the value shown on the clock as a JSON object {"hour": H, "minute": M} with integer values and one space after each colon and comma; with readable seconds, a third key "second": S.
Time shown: {"hour": 8, "minute": 50}
